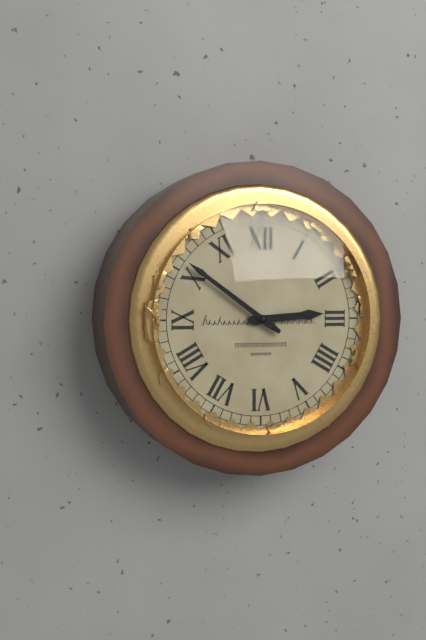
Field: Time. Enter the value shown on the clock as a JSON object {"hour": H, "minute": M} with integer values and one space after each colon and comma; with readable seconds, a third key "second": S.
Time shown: {"hour": 2, "minute": 51}
